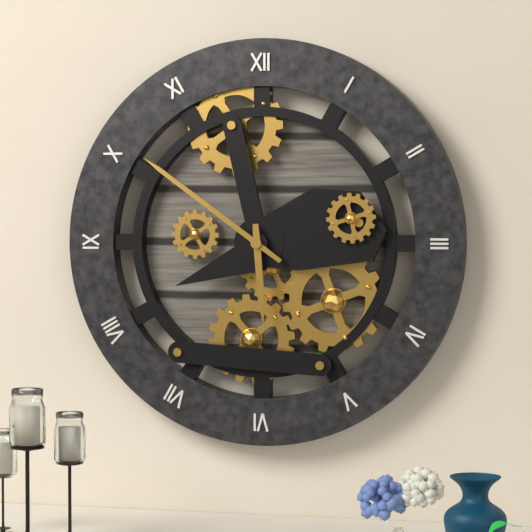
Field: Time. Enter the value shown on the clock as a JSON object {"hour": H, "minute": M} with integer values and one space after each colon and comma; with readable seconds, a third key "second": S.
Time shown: {"hour": 5, "minute": 51}
